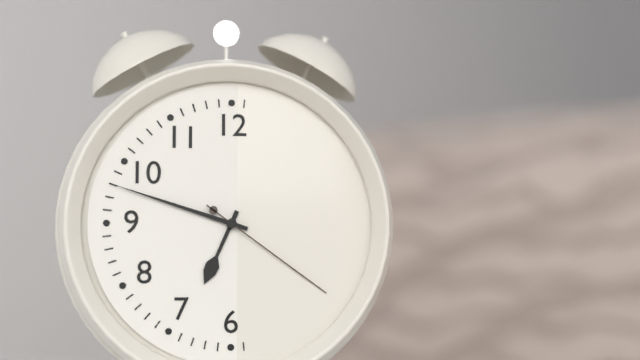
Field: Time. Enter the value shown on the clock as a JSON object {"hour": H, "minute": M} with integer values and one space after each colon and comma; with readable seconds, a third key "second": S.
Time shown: {"hour": 6, "minute": 48, "second": 21}
